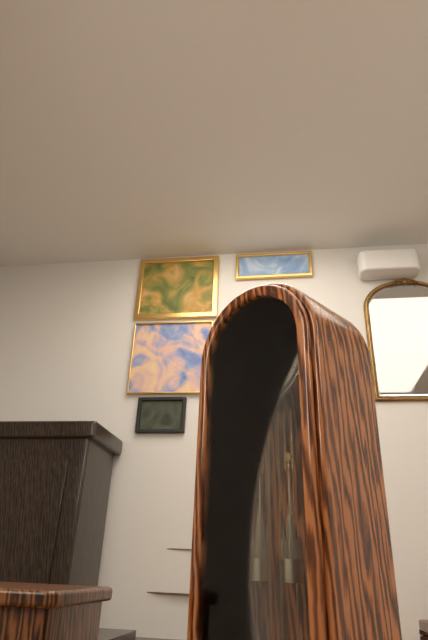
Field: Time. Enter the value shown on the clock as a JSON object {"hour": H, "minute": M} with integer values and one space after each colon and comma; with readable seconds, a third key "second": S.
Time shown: {"hour": 6, "minute": 35}
